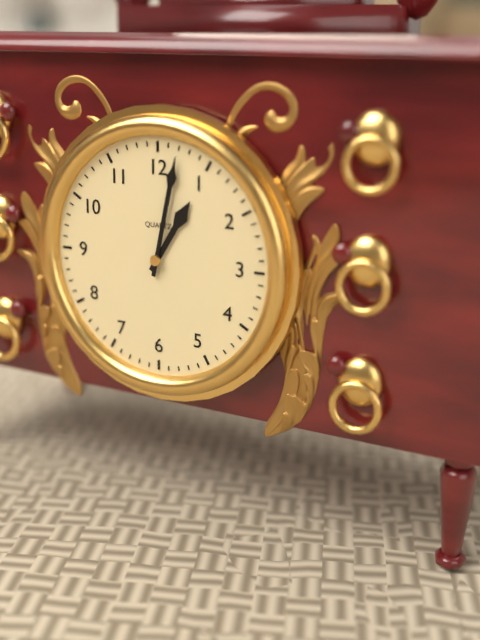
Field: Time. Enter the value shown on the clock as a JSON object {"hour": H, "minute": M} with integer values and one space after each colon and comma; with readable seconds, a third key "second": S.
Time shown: {"hour": 1, "minute": 2}
